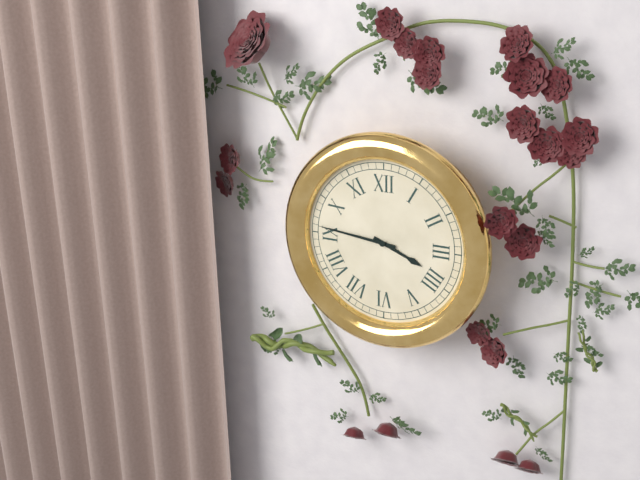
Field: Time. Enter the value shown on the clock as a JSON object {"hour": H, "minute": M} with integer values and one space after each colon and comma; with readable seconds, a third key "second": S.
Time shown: {"hour": 3, "minute": 46}
